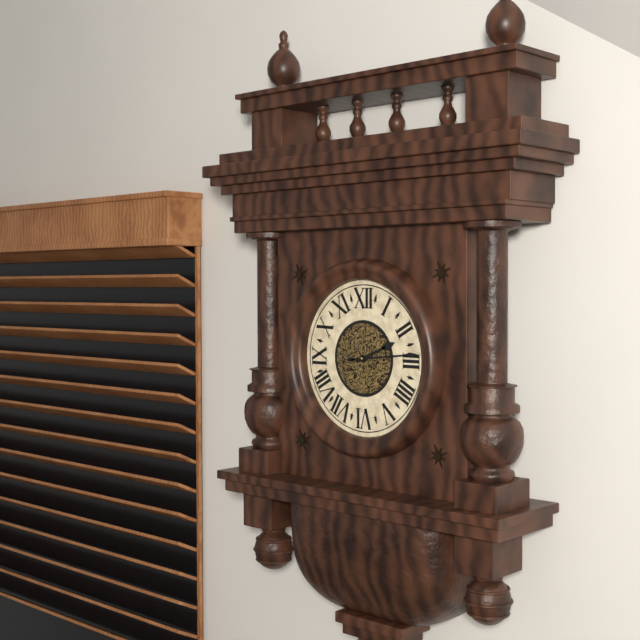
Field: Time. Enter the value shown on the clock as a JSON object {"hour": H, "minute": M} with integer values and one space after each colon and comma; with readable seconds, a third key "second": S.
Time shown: {"hour": 2, "minute": 14}
